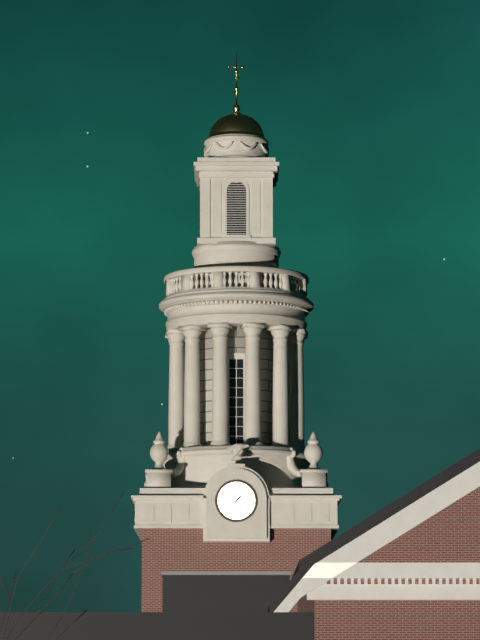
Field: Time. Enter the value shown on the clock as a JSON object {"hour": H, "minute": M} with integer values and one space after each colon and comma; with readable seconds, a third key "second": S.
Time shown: {"hour": 1, "minute": 23}
